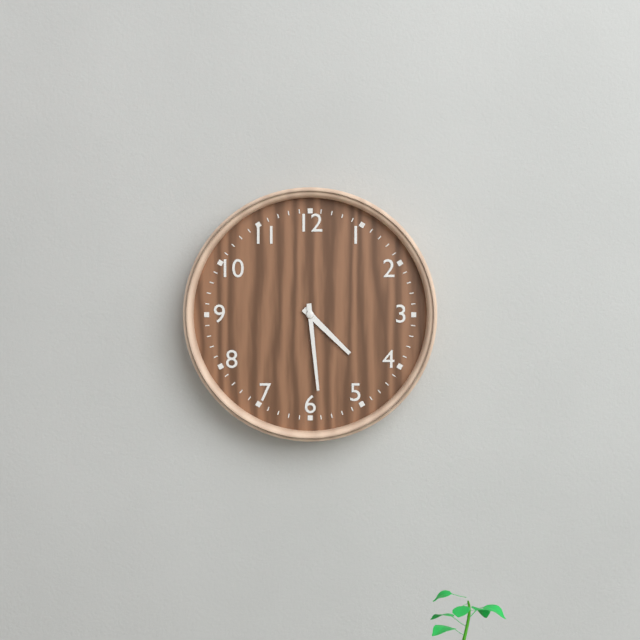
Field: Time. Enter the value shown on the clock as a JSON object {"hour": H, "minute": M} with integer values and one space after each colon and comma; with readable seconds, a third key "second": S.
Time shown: {"hour": 4, "minute": 29}
